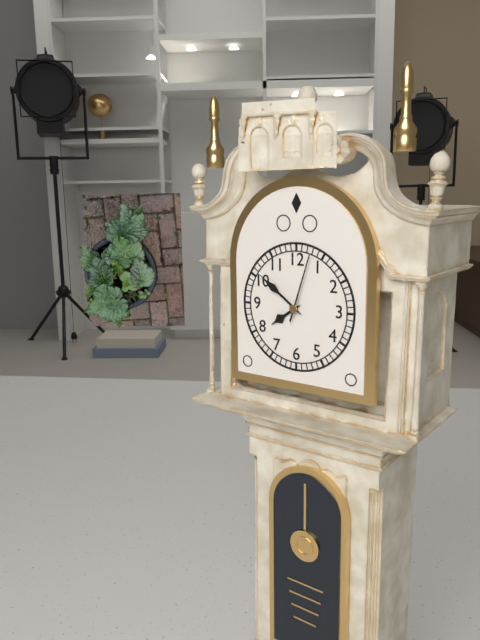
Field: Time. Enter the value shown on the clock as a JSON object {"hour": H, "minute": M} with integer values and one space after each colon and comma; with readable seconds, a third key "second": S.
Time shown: {"hour": 7, "minute": 51, "second": 3}
